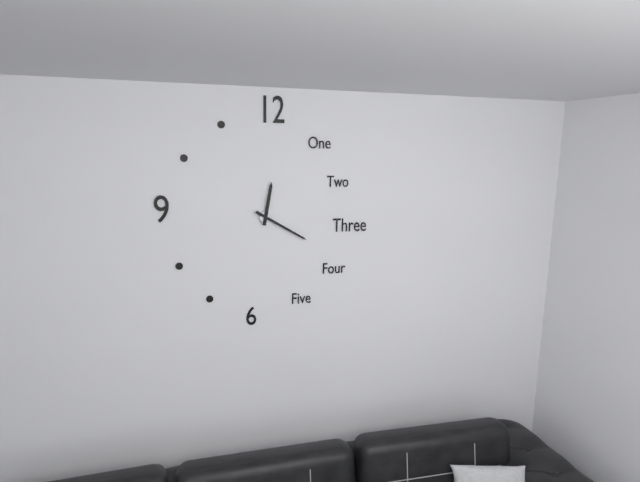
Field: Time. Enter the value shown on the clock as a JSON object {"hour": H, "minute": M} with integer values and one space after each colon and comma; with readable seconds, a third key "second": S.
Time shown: {"hour": 12, "minute": 20}
